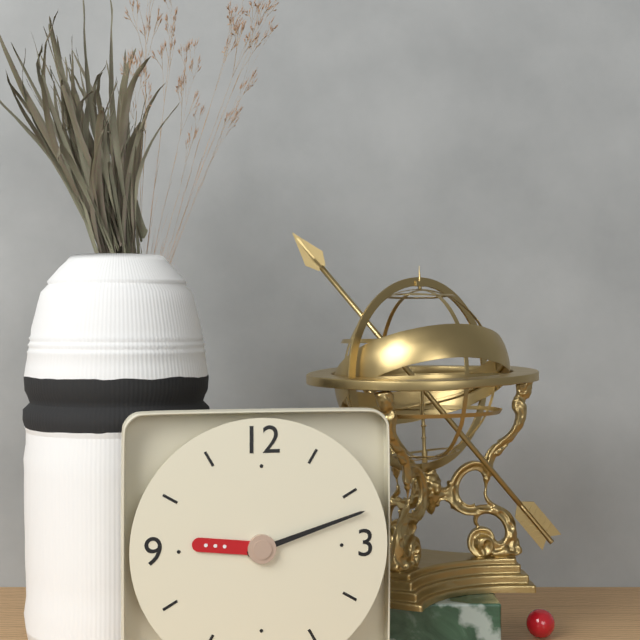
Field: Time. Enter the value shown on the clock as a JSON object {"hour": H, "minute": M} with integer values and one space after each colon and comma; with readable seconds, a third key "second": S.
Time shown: {"hour": 9, "minute": 12}
